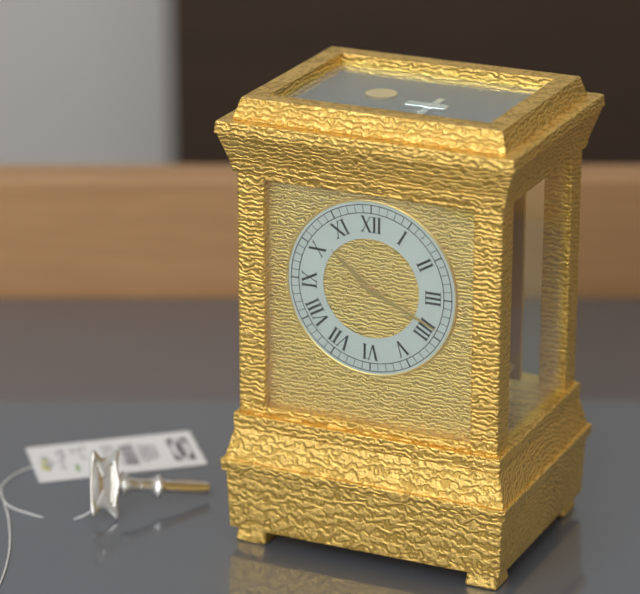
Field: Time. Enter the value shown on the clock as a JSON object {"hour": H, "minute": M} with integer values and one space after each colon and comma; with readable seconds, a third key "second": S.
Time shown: {"hour": 10, "minute": 19}
